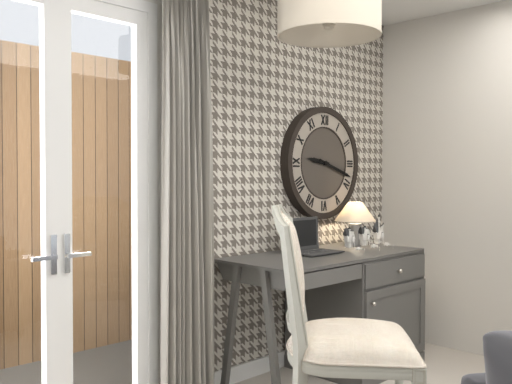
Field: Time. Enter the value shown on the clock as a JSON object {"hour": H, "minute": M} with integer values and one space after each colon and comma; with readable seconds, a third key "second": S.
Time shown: {"hour": 9, "minute": 18}
